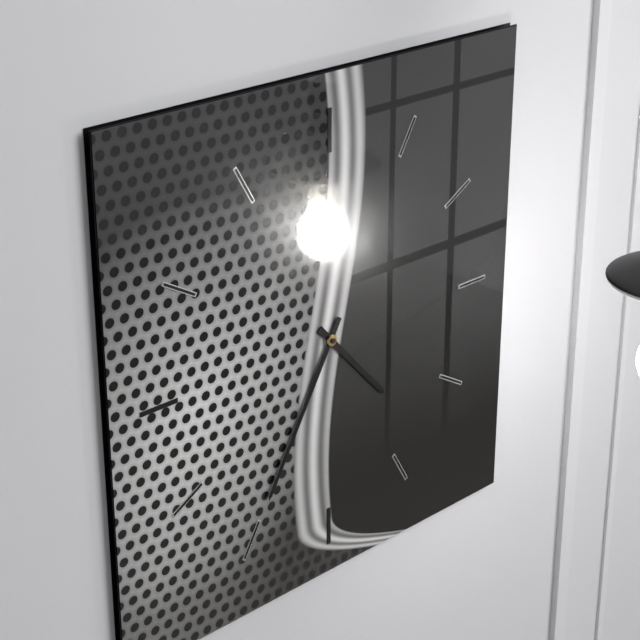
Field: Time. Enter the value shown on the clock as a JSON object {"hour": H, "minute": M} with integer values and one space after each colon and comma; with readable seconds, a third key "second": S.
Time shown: {"hour": 4, "minute": 35}
